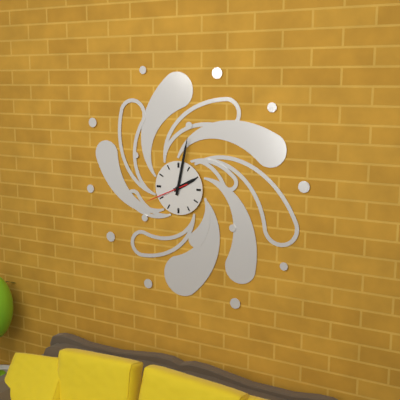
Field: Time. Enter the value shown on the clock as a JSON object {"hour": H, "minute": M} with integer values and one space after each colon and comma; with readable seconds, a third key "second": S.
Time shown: {"hour": 2, "minute": 2}
